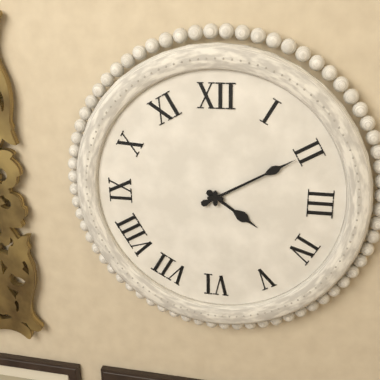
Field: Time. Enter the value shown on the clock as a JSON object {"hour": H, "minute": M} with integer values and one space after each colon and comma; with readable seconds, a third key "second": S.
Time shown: {"hour": 4, "minute": 10}
